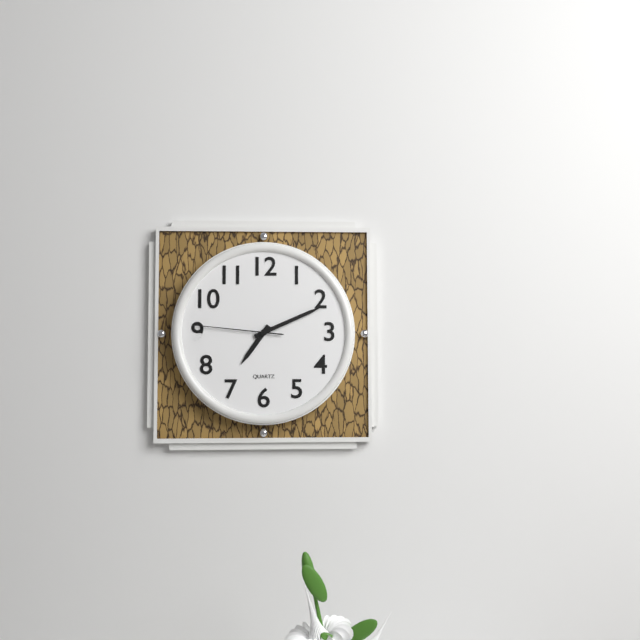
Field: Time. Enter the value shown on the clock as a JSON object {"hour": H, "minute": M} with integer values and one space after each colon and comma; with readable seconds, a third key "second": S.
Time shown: {"hour": 7, "minute": 11, "second": 46}
